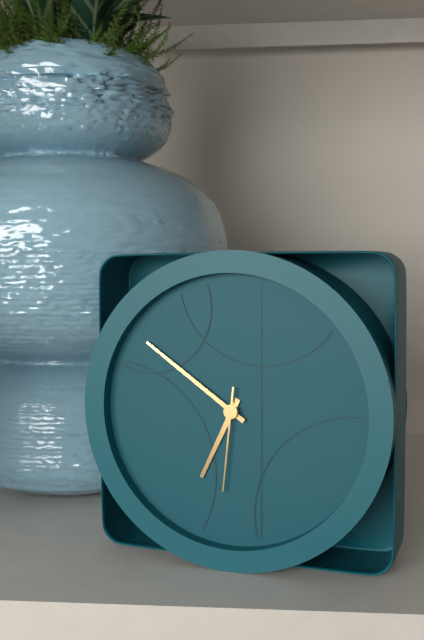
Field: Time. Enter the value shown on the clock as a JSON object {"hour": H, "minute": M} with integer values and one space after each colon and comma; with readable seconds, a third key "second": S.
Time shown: {"hour": 6, "minute": 51, "second": 31}
